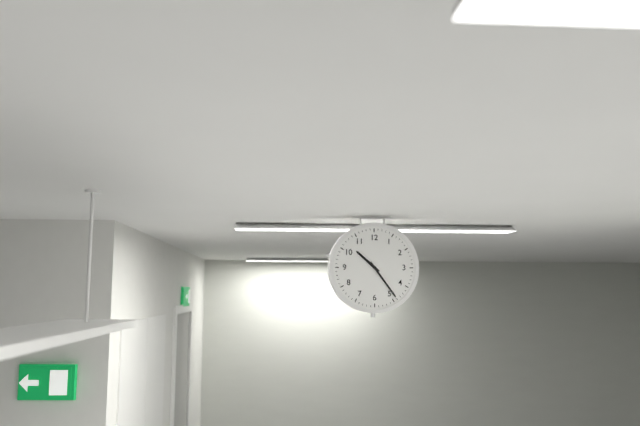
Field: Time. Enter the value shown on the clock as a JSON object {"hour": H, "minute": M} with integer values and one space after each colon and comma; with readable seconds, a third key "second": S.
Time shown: {"hour": 10, "minute": 24}
